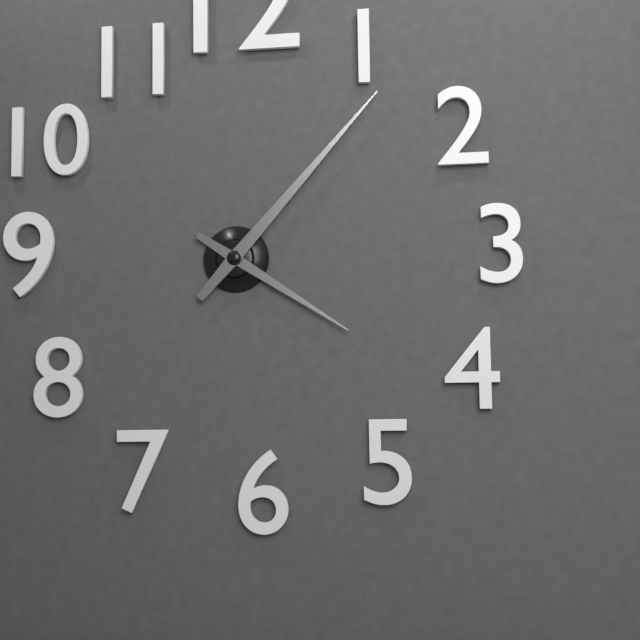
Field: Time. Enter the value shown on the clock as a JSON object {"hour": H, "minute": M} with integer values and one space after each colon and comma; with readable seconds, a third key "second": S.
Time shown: {"hour": 4, "minute": 7}
